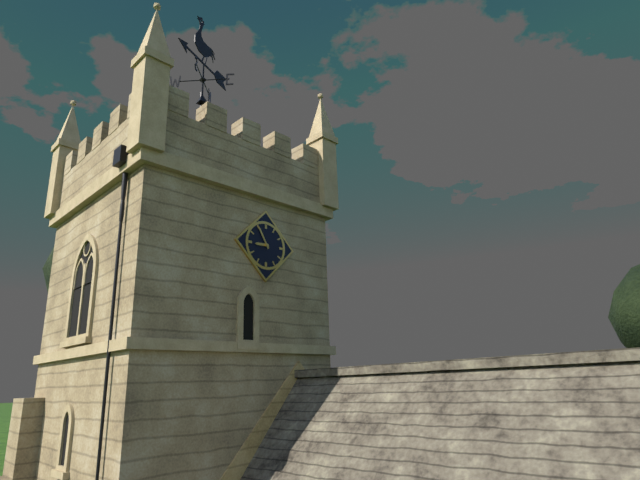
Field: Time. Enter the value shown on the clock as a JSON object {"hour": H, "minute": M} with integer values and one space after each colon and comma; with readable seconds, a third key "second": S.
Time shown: {"hour": 8, "minute": 55}
